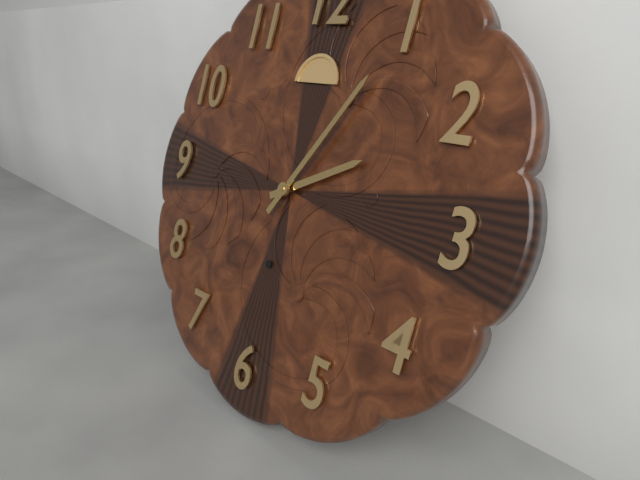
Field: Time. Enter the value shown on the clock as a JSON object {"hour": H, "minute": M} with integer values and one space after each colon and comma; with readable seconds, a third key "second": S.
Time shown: {"hour": 2, "minute": 5}
